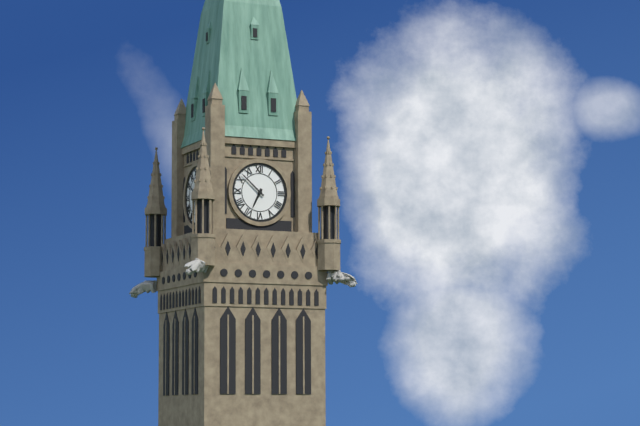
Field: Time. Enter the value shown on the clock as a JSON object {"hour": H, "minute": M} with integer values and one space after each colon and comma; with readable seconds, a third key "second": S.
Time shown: {"hour": 6, "minute": 52}
